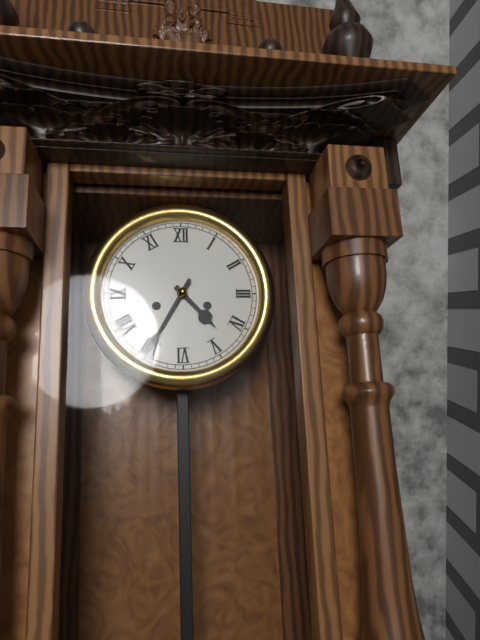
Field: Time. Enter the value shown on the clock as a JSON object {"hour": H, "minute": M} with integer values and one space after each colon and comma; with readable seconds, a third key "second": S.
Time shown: {"hour": 4, "minute": 35}
